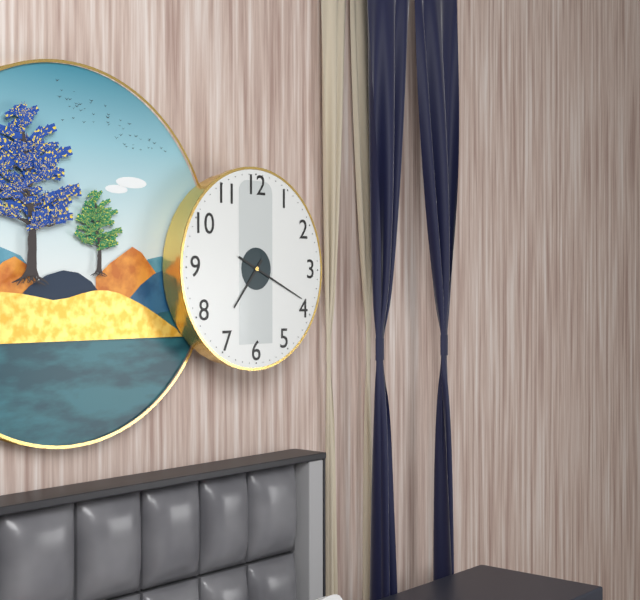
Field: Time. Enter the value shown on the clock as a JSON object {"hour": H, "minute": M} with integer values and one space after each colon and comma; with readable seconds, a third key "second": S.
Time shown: {"hour": 7, "minute": 19}
